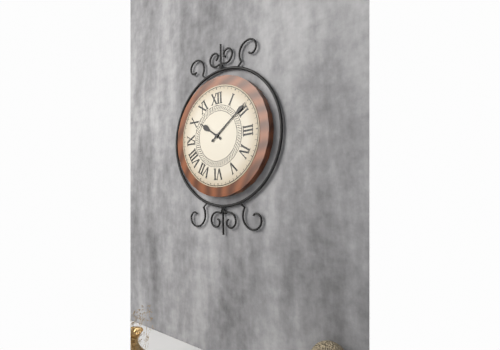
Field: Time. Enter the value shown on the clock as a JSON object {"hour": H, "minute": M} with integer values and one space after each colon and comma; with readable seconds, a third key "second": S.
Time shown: {"hour": 10, "minute": 9}
